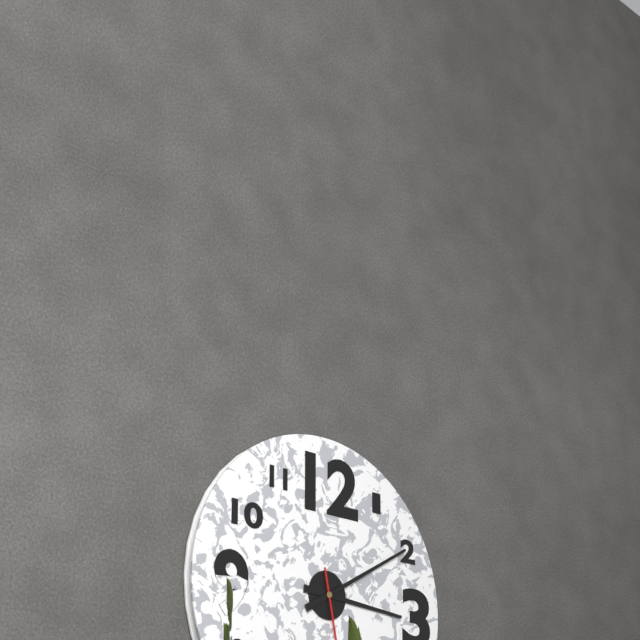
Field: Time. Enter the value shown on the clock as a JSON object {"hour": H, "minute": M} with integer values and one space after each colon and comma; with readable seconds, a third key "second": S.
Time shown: {"hour": 3, "minute": 10}
